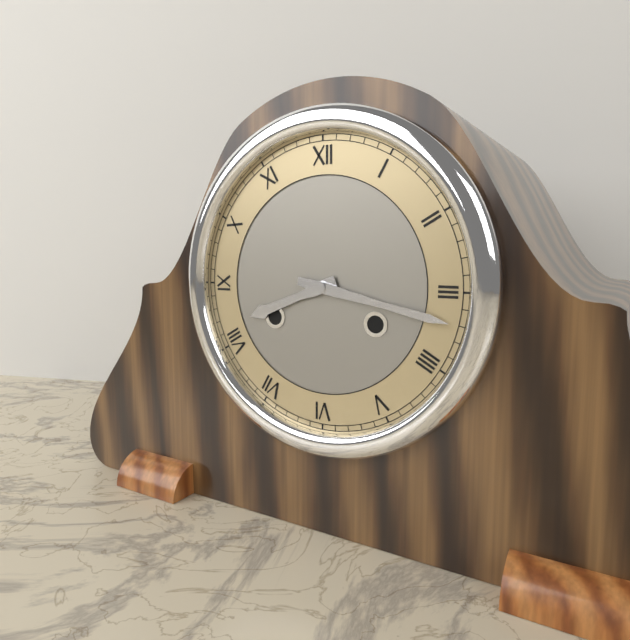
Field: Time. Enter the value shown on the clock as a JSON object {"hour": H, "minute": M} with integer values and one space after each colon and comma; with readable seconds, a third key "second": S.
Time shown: {"hour": 8, "minute": 17}
